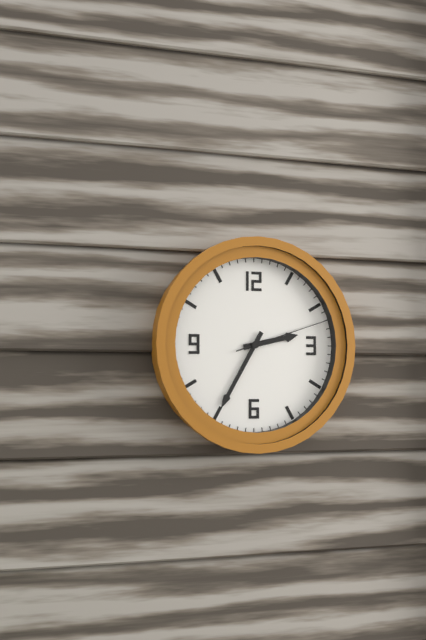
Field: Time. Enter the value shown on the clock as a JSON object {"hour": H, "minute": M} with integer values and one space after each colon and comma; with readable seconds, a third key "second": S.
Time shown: {"hour": 2, "minute": 35, "second": 12}
